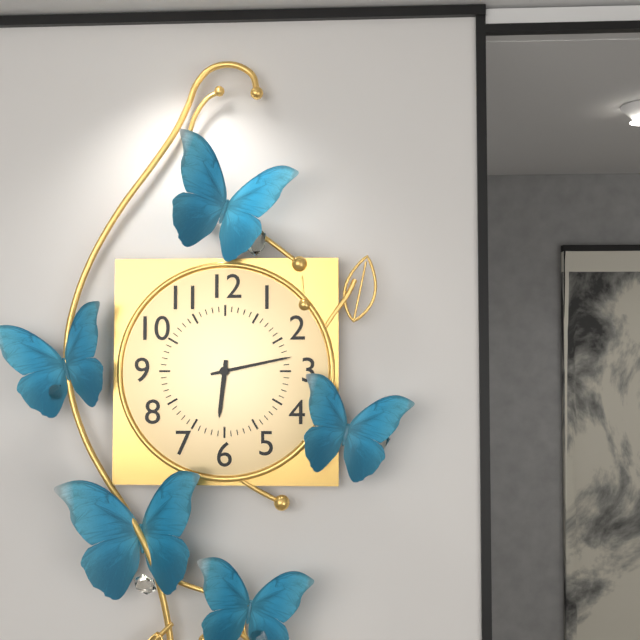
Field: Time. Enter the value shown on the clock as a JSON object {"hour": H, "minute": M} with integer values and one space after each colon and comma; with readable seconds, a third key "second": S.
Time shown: {"hour": 6, "minute": 13}
